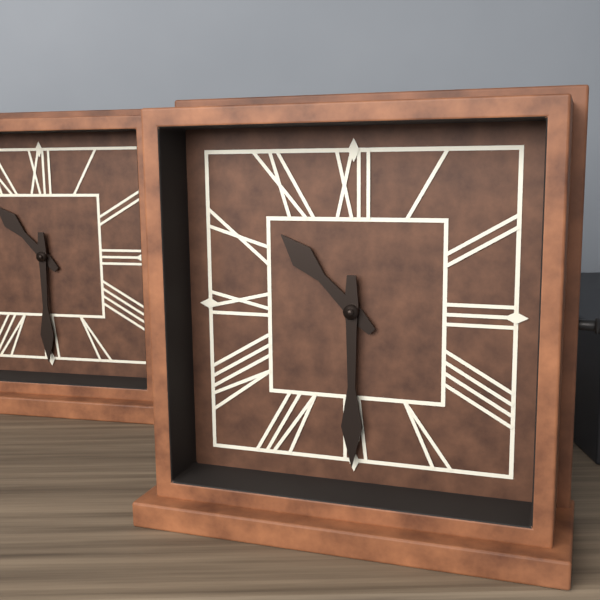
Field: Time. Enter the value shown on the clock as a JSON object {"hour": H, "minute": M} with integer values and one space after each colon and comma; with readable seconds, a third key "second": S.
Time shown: {"hour": 10, "minute": 30}
